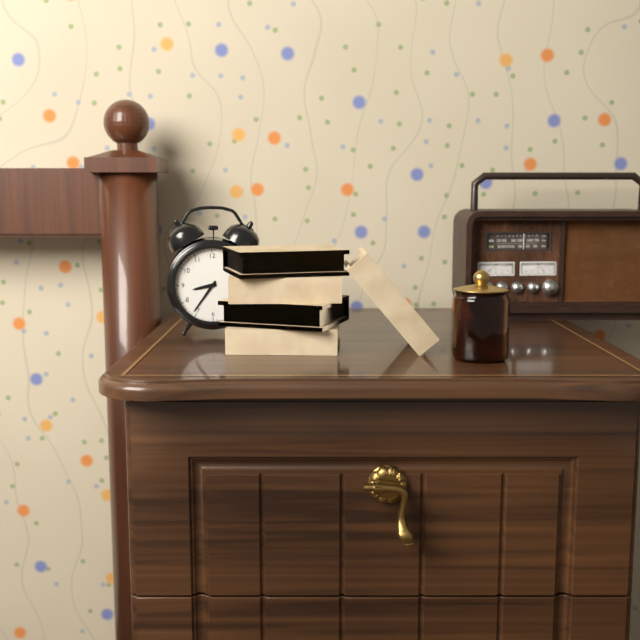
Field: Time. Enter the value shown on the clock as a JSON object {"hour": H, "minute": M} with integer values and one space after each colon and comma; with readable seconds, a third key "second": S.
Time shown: {"hour": 8, "minute": 36}
